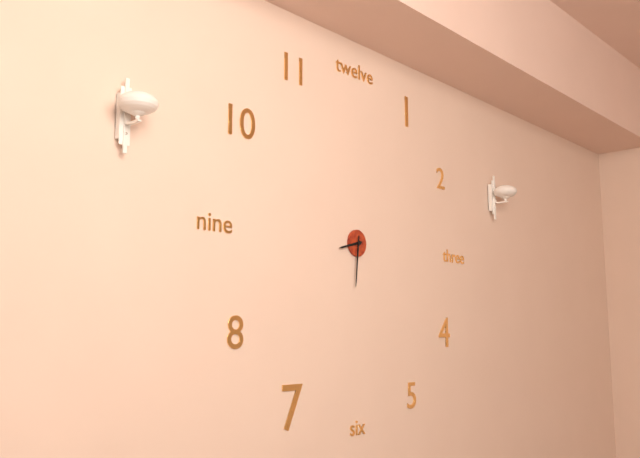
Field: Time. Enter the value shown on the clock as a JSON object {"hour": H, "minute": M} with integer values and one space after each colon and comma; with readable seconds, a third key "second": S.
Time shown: {"hour": 8, "minute": 31}
